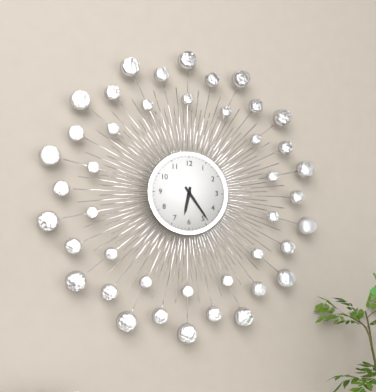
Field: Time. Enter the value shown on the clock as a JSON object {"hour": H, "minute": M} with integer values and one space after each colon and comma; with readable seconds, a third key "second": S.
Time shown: {"hour": 6, "minute": 24}
